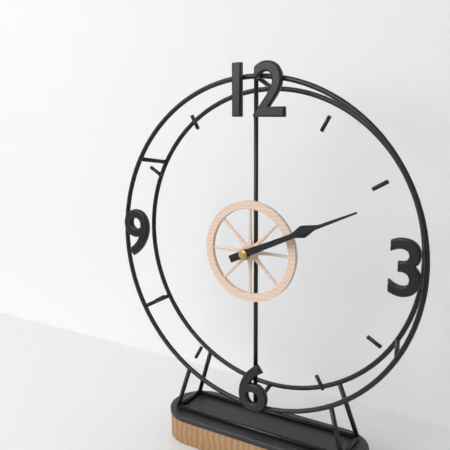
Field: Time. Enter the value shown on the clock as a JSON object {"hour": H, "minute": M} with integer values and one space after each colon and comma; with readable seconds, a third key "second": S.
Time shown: {"hour": 2, "minute": 11}
